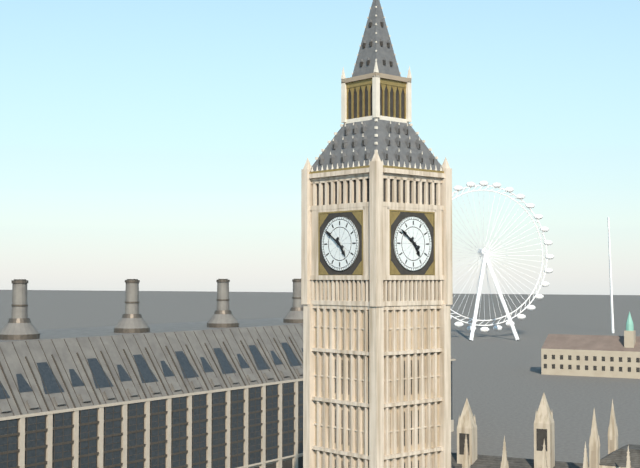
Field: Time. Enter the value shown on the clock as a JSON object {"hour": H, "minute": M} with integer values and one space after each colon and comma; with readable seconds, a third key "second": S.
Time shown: {"hour": 4, "minute": 51}
